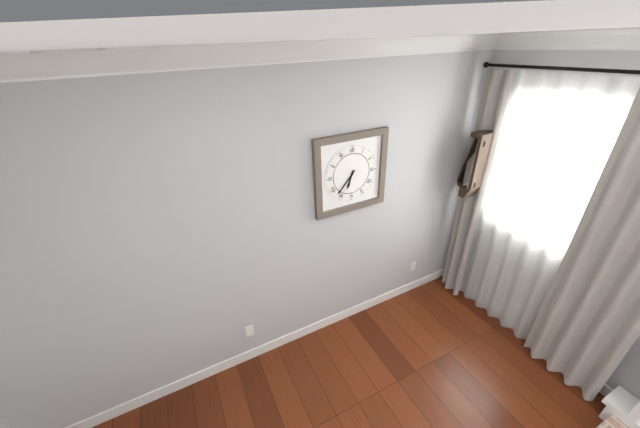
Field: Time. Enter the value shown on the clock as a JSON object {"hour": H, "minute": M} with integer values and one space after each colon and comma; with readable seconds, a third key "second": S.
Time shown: {"hour": 6, "minute": 37}
